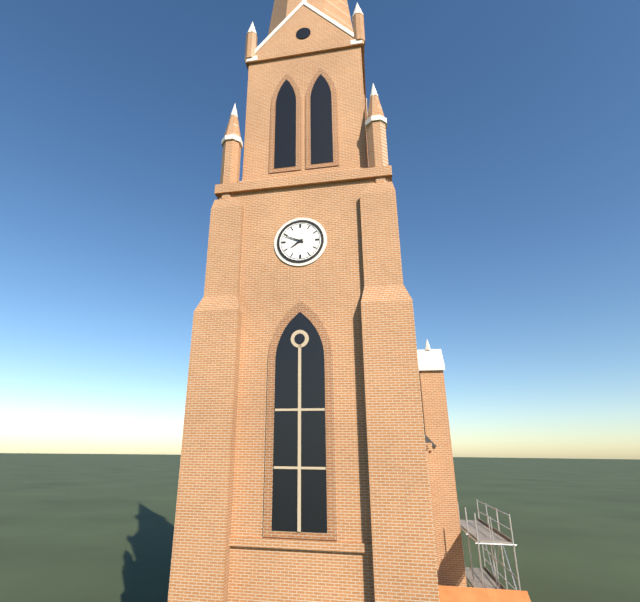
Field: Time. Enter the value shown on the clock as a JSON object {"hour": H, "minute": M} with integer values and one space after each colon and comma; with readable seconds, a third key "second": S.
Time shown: {"hour": 7, "minute": 49}
